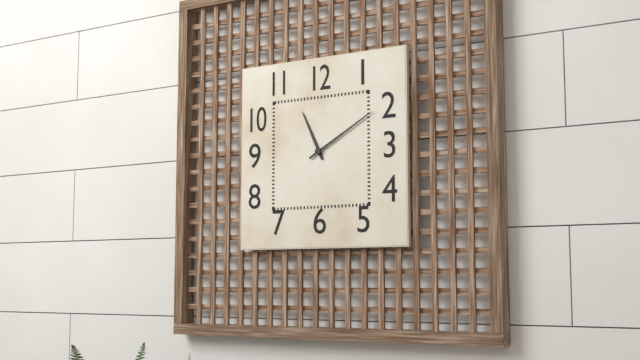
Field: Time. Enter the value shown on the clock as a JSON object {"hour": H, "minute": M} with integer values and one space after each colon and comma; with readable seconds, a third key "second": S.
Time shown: {"hour": 11, "minute": 10}
